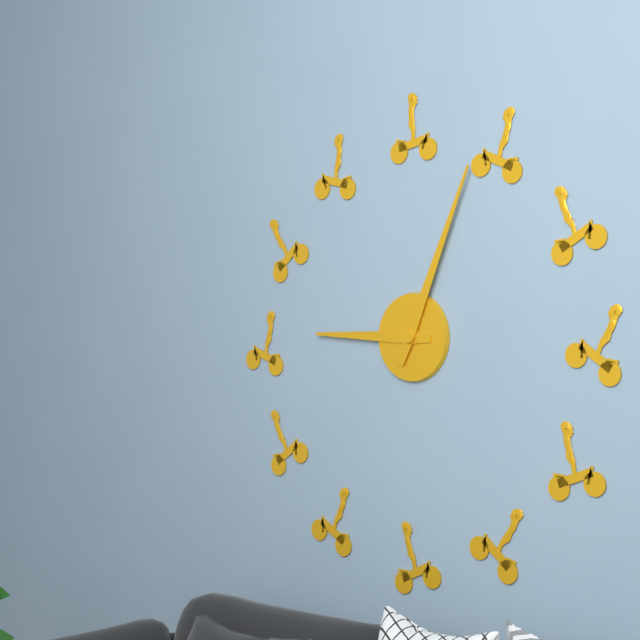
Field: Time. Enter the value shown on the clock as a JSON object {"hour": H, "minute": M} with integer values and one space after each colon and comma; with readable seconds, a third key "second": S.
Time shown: {"hour": 9, "minute": 4}
